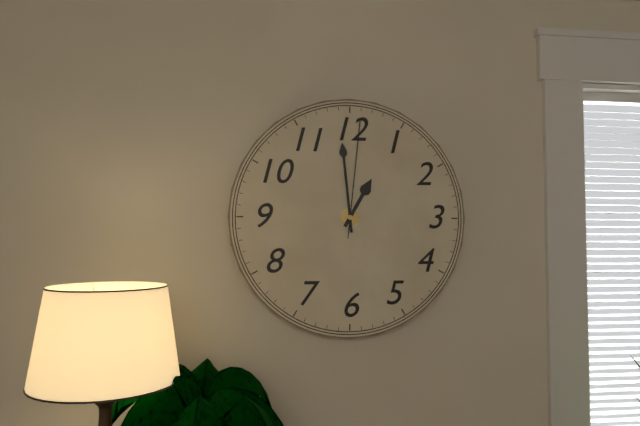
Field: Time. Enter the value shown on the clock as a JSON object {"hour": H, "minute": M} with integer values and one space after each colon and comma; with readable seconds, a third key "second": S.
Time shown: {"hour": 12, "minute": 59, "second": 1}
